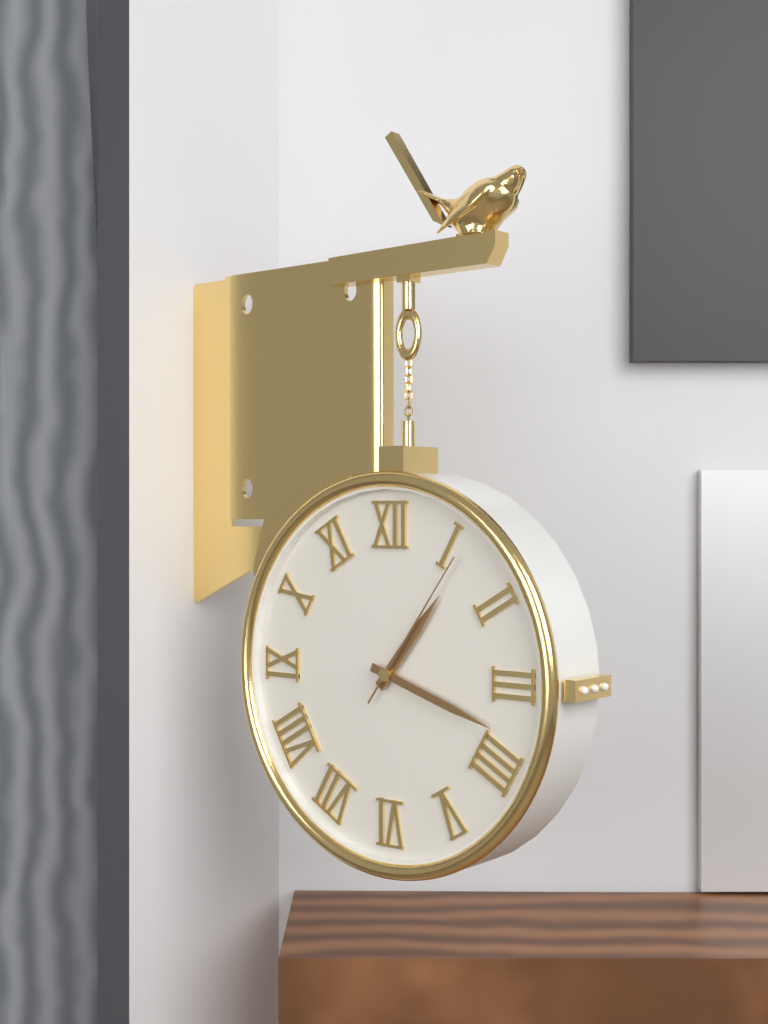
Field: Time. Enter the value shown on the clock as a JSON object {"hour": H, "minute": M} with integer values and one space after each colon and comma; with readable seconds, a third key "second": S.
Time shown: {"hour": 1, "minute": 18, "second": 6}
